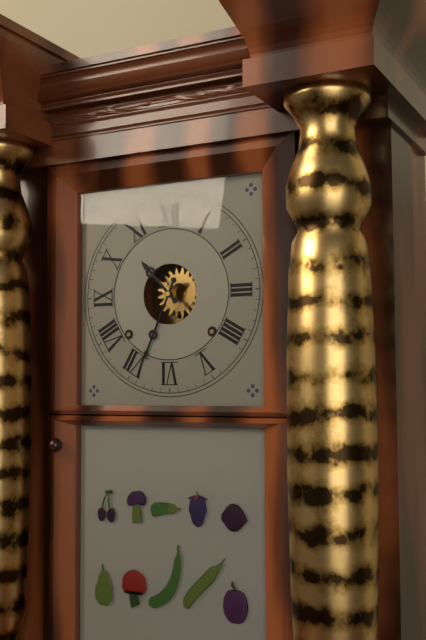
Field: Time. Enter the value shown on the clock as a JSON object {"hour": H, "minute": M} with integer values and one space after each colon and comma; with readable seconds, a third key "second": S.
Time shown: {"hour": 10, "minute": 34}
